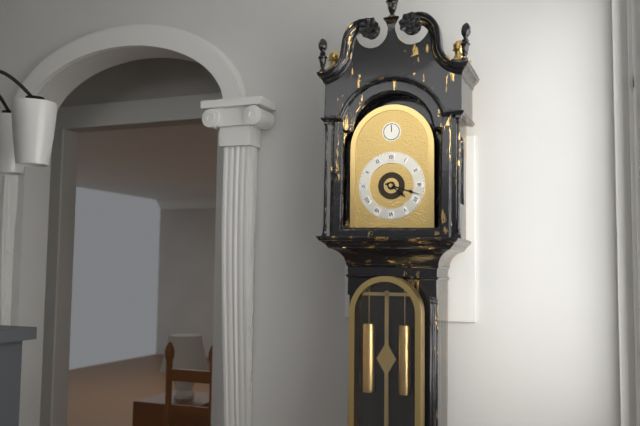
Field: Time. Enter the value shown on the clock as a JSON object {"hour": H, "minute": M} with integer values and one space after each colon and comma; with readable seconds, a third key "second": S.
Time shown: {"hour": 4, "minute": 18}
